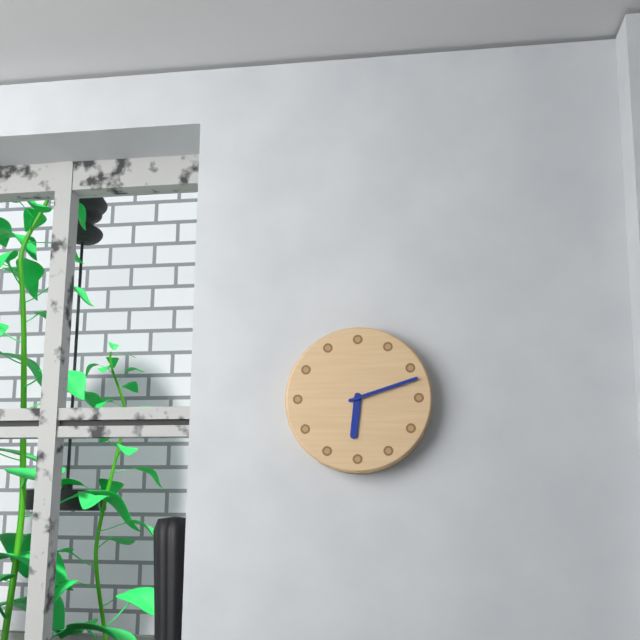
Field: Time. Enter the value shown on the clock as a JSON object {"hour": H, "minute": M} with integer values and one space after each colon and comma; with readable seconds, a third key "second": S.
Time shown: {"hour": 6, "minute": 12}
